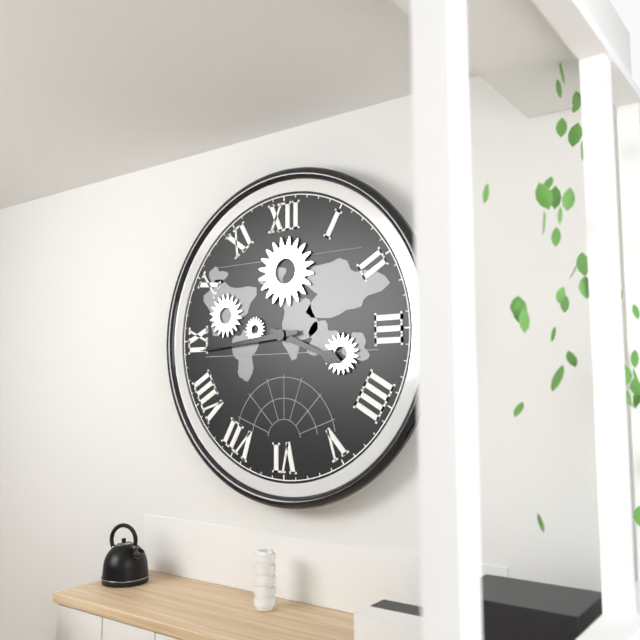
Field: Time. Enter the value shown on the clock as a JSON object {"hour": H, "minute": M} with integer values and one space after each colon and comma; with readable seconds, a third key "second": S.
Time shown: {"hour": 3, "minute": 44}
